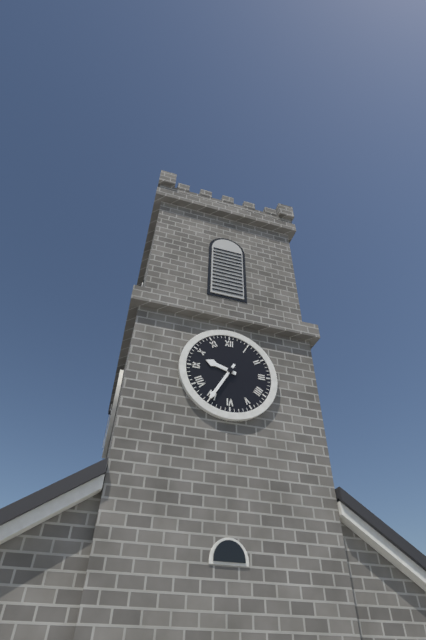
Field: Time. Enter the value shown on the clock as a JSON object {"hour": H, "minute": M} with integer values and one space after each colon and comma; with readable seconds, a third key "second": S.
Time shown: {"hour": 9, "minute": 35}
